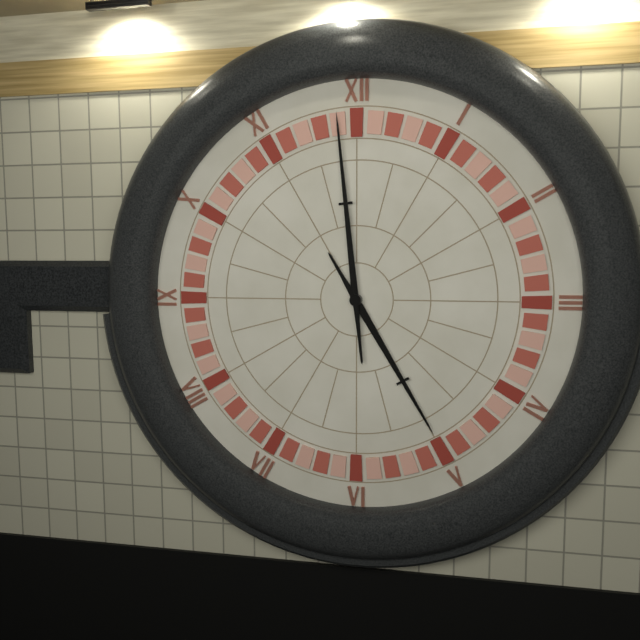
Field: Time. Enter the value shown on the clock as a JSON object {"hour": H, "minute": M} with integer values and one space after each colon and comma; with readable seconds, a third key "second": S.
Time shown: {"hour": 4, "minute": 59}
